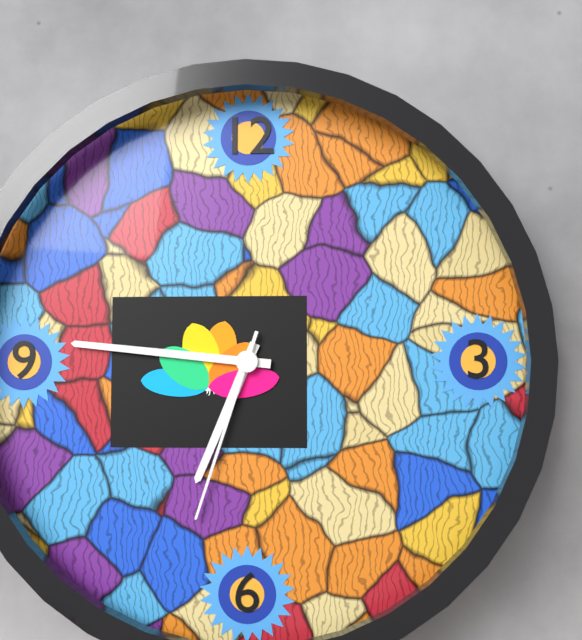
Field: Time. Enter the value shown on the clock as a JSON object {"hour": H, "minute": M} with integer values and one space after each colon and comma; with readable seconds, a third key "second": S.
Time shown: {"hour": 6, "minute": 46, "second": 33}
